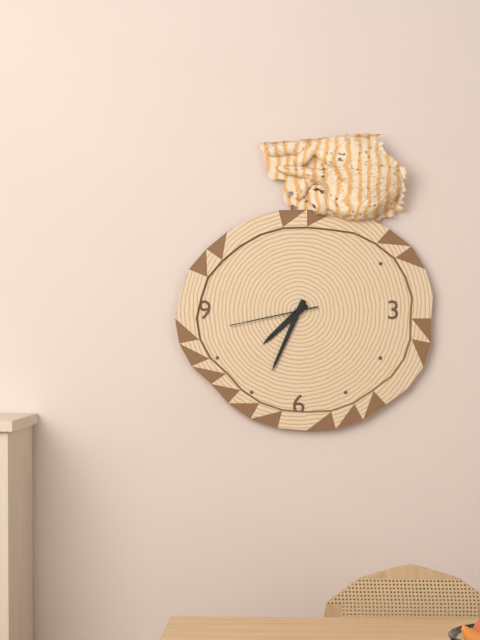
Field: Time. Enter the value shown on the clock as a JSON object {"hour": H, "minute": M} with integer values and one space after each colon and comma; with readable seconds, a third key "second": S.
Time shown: {"hour": 7, "minute": 34, "second": 43}
